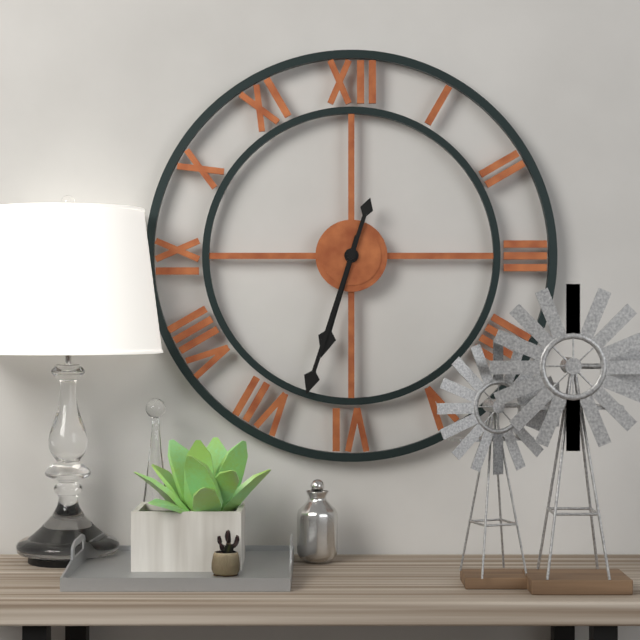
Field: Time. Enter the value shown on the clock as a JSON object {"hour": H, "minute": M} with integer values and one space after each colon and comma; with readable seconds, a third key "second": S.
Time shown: {"hour": 6, "minute": 33}
